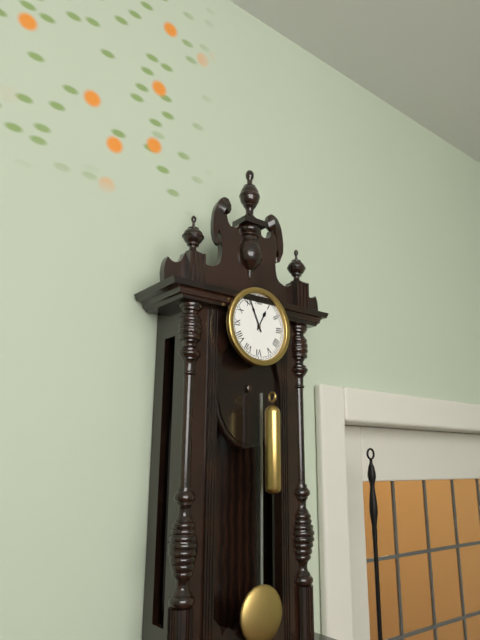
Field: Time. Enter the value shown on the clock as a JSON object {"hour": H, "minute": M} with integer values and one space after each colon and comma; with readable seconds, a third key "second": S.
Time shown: {"hour": 12, "minute": 56}
